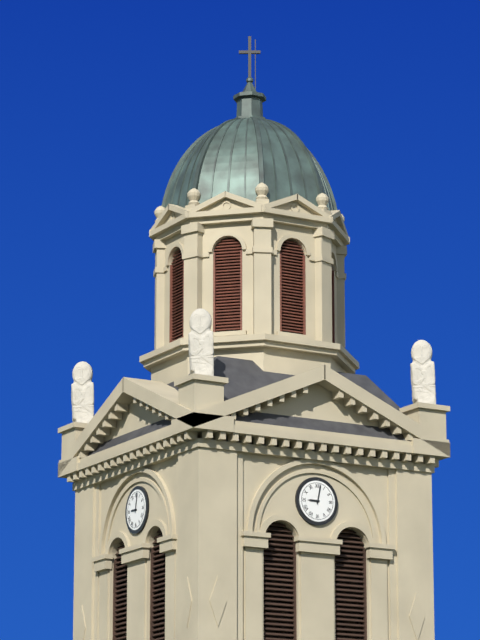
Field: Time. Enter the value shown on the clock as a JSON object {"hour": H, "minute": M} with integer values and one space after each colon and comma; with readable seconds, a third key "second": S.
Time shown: {"hour": 9, "minute": 2}
